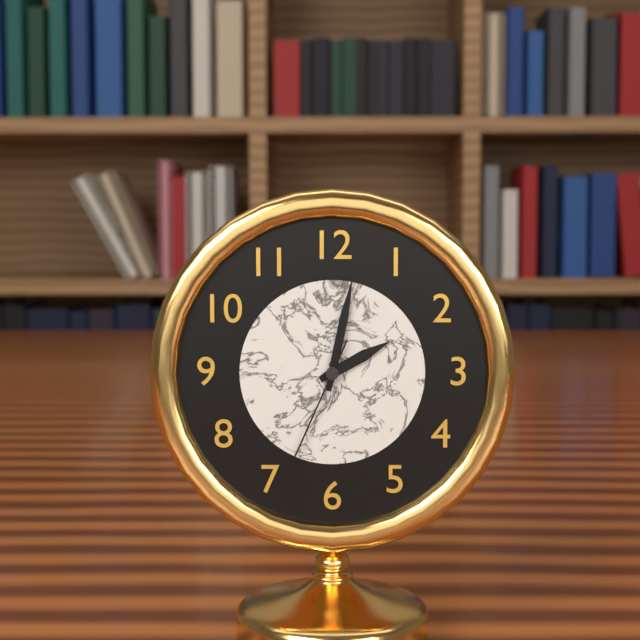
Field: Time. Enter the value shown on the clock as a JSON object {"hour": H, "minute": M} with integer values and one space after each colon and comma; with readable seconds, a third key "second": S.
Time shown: {"hour": 2, "minute": 2, "second": 34}
